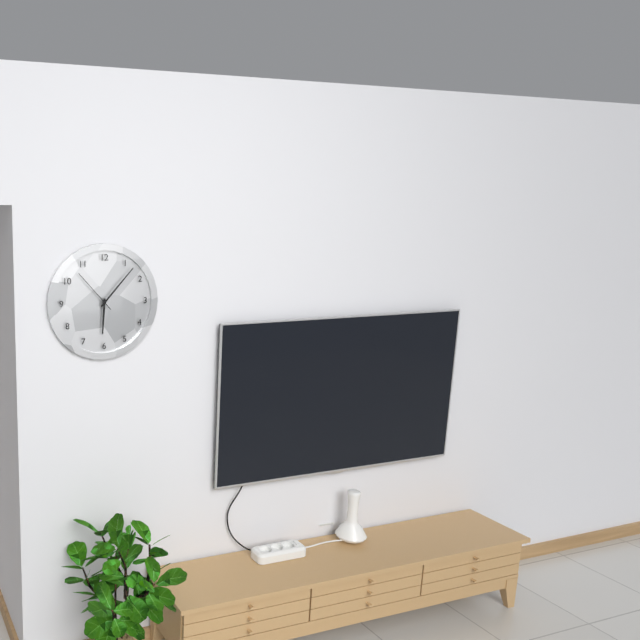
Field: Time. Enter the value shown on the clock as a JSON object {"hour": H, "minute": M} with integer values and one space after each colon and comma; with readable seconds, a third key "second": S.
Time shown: {"hour": 6, "minute": 7}
